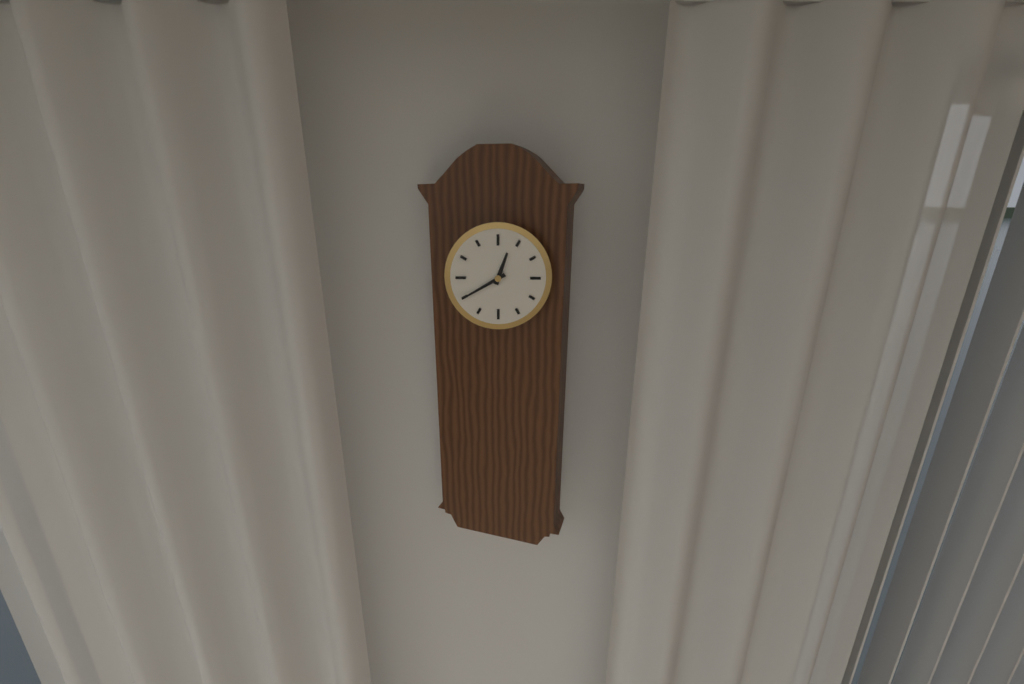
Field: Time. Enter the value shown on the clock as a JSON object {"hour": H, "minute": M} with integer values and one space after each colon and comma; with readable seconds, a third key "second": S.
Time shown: {"hour": 12, "minute": 40}
